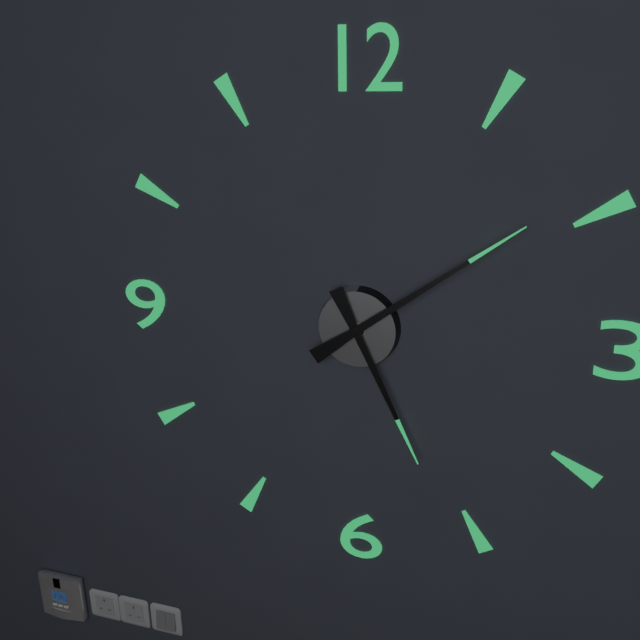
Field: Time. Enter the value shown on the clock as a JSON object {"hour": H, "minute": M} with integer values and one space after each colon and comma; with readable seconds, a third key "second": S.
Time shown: {"hour": 5, "minute": 9}
